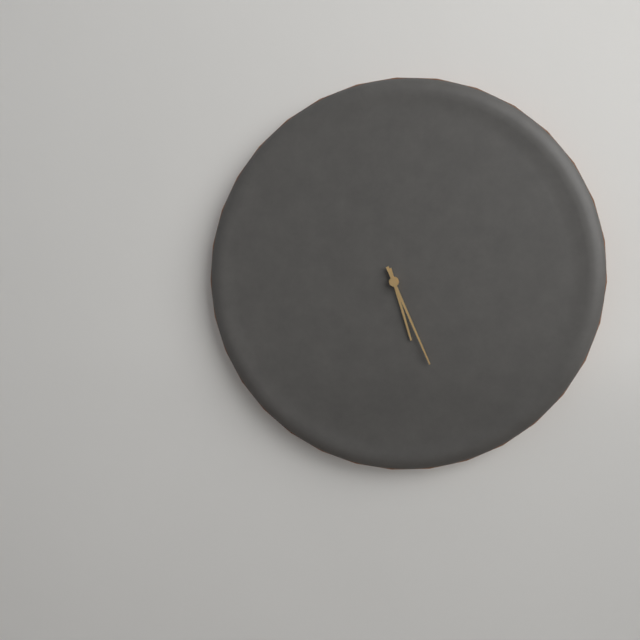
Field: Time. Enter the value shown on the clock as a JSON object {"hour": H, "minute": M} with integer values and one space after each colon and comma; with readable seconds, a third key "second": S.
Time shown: {"hour": 5, "minute": 26}
